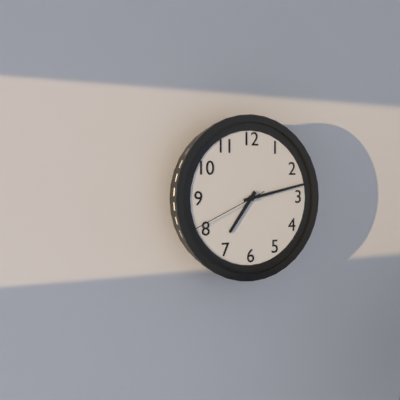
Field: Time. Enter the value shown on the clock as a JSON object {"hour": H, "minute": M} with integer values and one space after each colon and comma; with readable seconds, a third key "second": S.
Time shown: {"hour": 7, "minute": 13, "second": 41}
